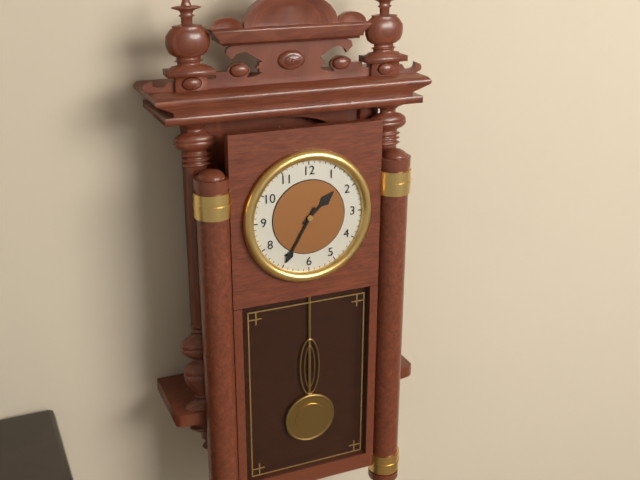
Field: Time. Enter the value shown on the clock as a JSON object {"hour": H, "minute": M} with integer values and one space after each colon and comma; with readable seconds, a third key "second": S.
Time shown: {"hour": 1, "minute": 35}
